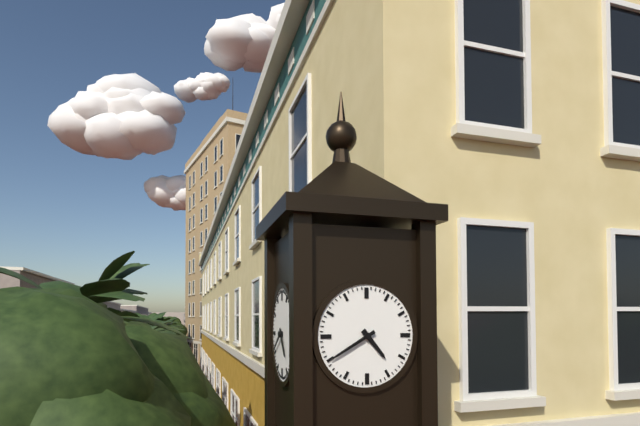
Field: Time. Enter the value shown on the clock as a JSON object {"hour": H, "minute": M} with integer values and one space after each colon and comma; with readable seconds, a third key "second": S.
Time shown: {"hour": 4, "minute": 40}
